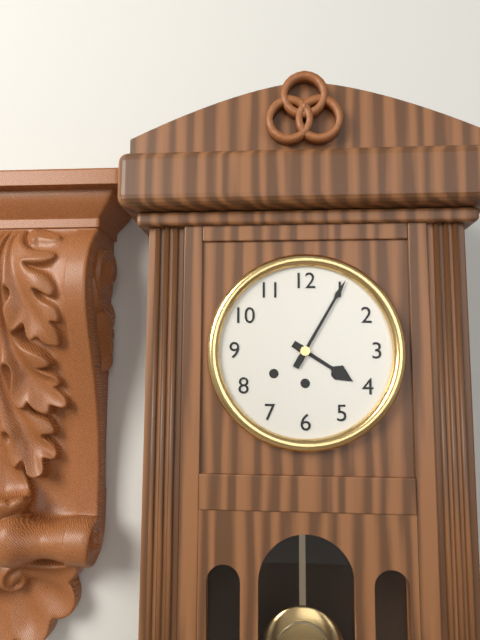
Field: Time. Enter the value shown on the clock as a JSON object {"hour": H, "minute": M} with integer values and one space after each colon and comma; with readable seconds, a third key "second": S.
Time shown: {"hour": 4, "minute": 5}
